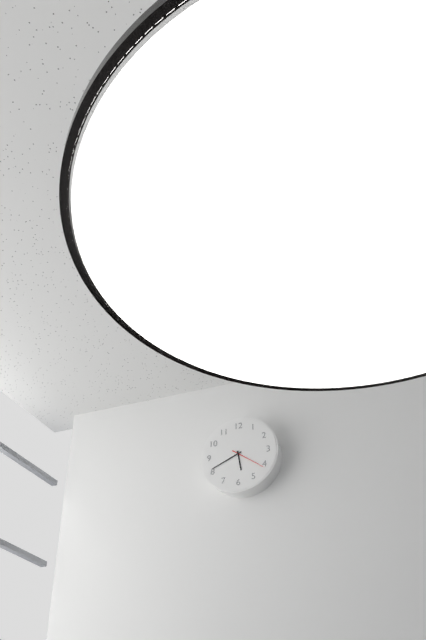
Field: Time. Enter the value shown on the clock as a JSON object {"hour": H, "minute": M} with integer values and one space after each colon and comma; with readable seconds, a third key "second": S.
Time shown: {"hour": 5, "minute": 41}
